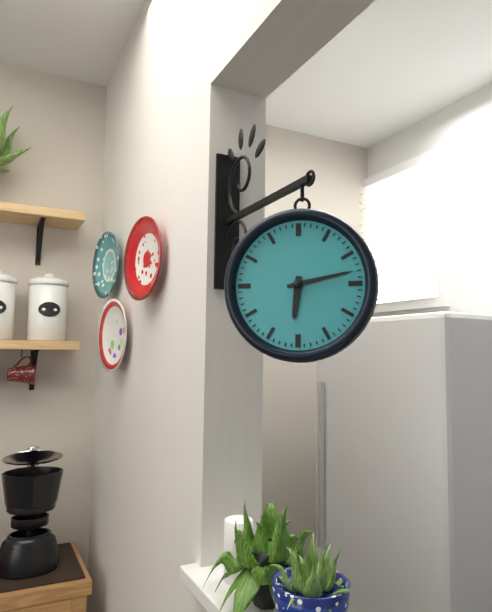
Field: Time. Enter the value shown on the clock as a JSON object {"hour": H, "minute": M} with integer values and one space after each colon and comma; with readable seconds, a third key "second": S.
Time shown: {"hour": 6, "minute": 13}
